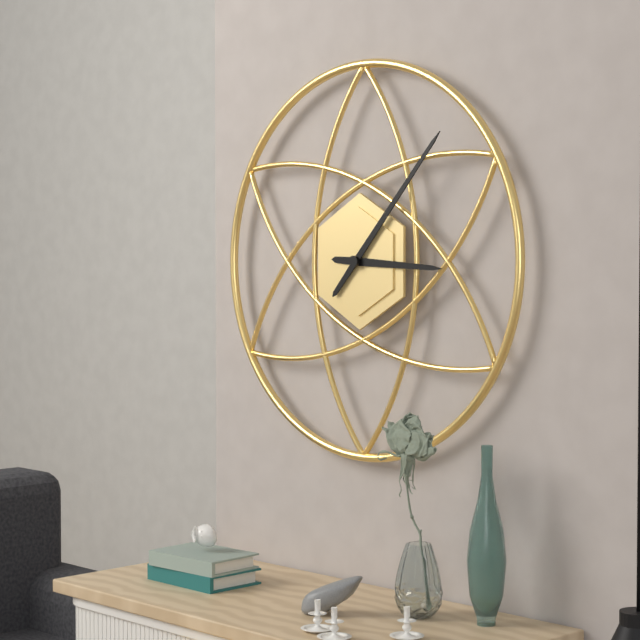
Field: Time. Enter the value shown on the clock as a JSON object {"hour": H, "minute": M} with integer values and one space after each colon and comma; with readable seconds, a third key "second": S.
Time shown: {"hour": 3, "minute": 7}
